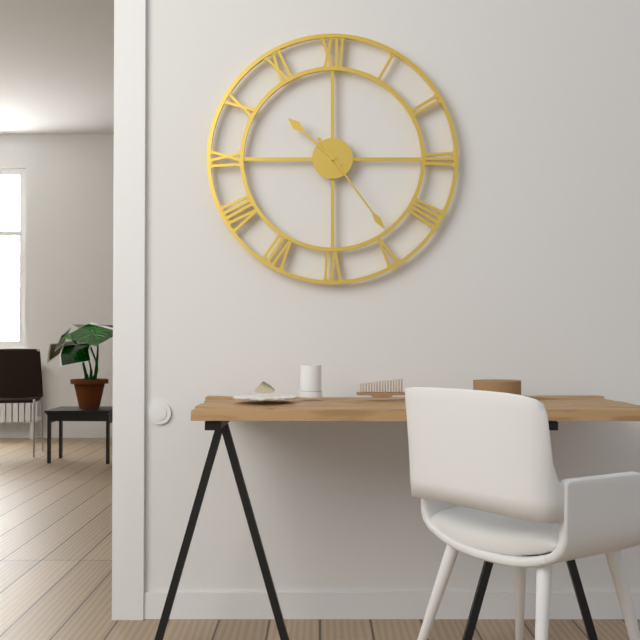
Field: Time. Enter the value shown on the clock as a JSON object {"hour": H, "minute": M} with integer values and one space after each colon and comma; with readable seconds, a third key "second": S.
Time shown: {"hour": 10, "minute": 24}
